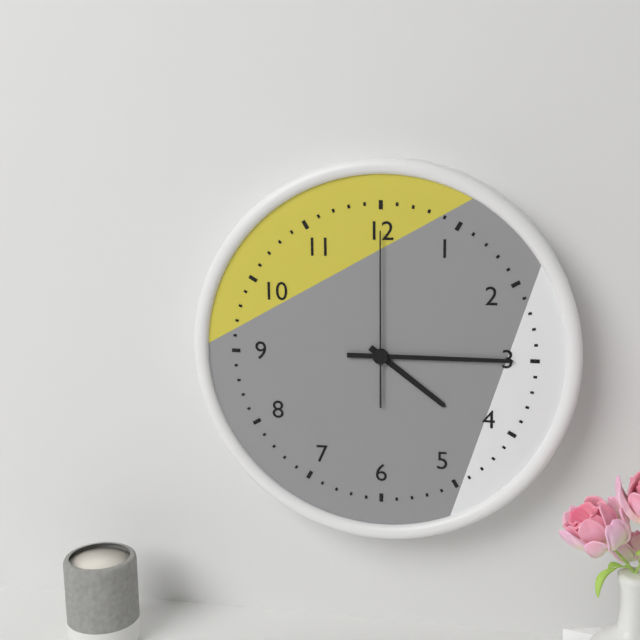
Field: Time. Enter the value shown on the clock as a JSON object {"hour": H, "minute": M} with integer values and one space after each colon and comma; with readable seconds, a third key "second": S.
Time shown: {"hour": 4, "minute": 15, "second": 0}
